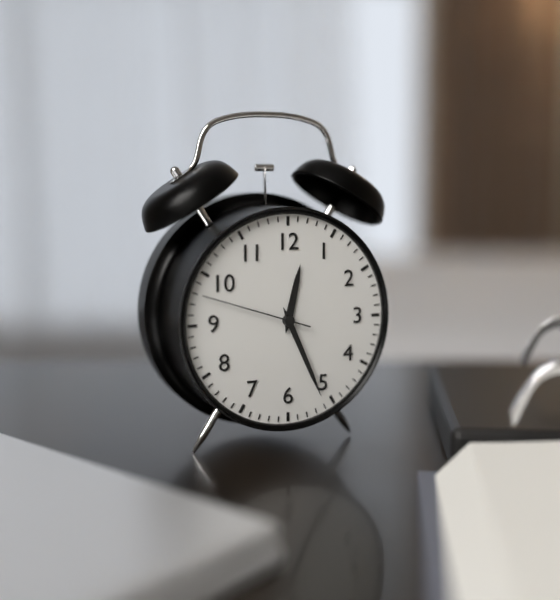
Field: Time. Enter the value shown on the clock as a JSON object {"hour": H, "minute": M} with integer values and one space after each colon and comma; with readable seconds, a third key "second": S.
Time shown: {"hour": 12, "minute": 26, "second": 48}
